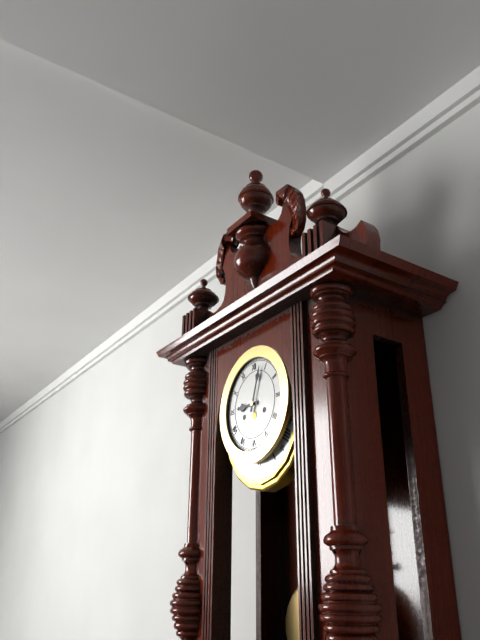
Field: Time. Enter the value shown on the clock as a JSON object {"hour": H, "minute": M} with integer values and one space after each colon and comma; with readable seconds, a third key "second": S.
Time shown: {"hour": 9, "minute": 3}
